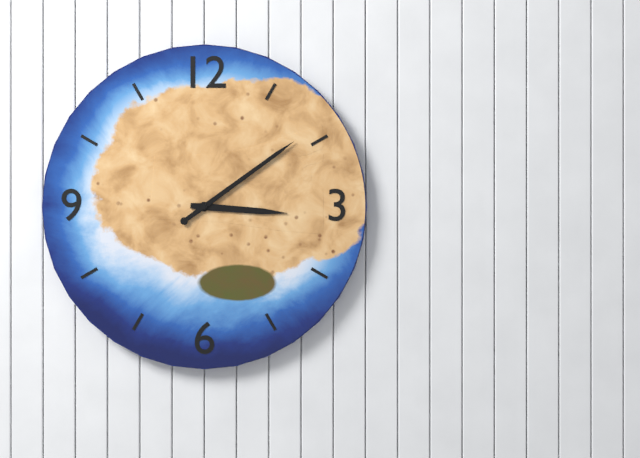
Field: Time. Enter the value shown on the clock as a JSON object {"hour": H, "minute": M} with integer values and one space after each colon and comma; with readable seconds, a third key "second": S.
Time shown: {"hour": 3, "minute": 9}
